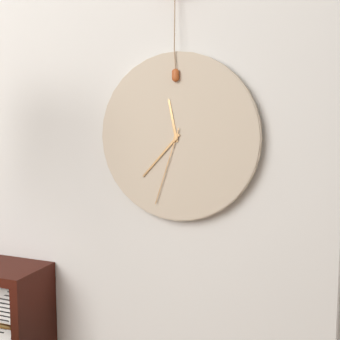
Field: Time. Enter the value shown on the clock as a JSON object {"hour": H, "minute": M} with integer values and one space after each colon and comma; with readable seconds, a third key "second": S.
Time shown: {"hour": 11, "minute": 37, "second": 33}
